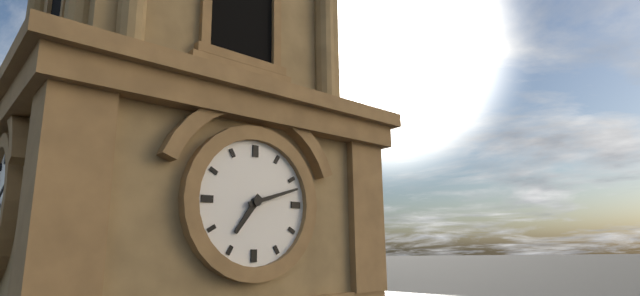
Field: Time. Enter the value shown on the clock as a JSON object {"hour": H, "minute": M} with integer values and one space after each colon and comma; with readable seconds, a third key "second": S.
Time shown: {"hour": 7, "minute": 12}
